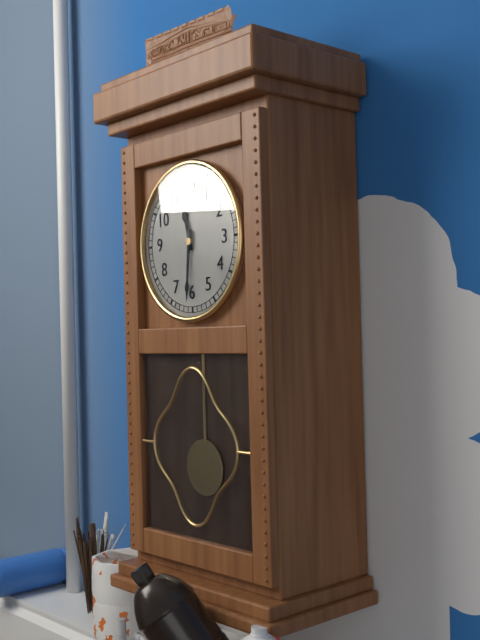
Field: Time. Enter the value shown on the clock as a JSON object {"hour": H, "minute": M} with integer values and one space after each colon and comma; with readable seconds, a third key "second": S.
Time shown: {"hour": 11, "minute": 31}
